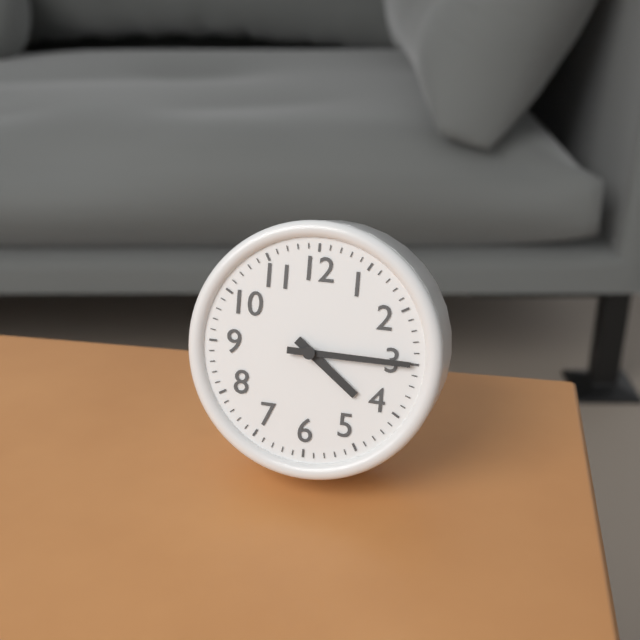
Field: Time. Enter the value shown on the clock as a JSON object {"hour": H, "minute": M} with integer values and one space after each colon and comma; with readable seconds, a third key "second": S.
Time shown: {"hour": 4, "minute": 15}
